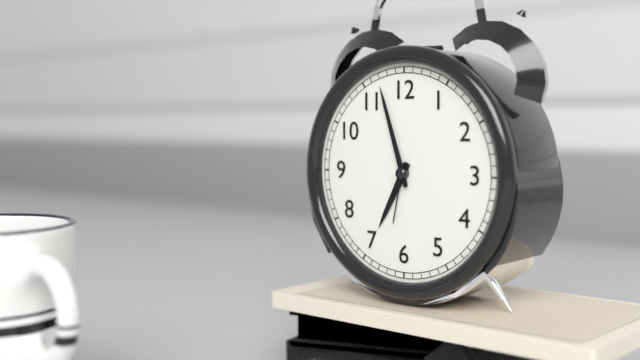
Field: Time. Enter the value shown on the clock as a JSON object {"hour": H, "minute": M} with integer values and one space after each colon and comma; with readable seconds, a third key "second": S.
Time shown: {"hour": 6, "minute": 57, "second": 32}
